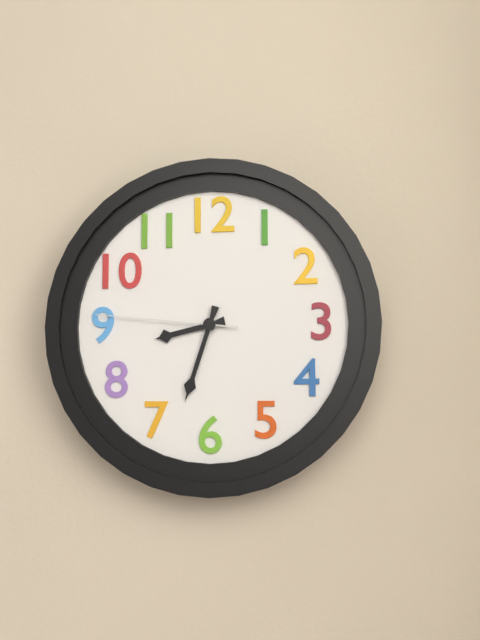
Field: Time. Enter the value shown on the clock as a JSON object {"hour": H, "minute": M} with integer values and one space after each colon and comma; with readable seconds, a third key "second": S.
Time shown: {"hour": 8, "minute": 33, "second": 46}
